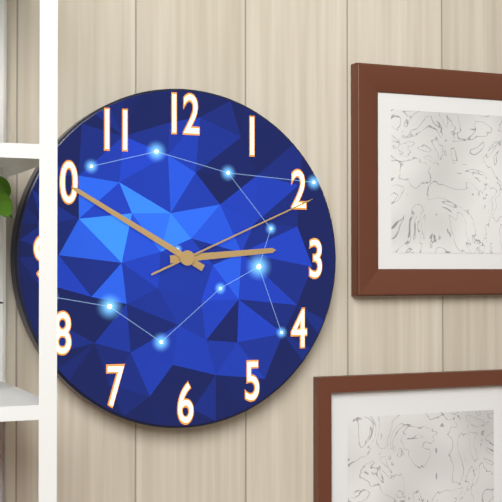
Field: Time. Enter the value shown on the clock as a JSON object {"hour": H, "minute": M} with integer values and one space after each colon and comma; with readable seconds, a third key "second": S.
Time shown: {"hour": 2, "minute": 50, "second": 11}
